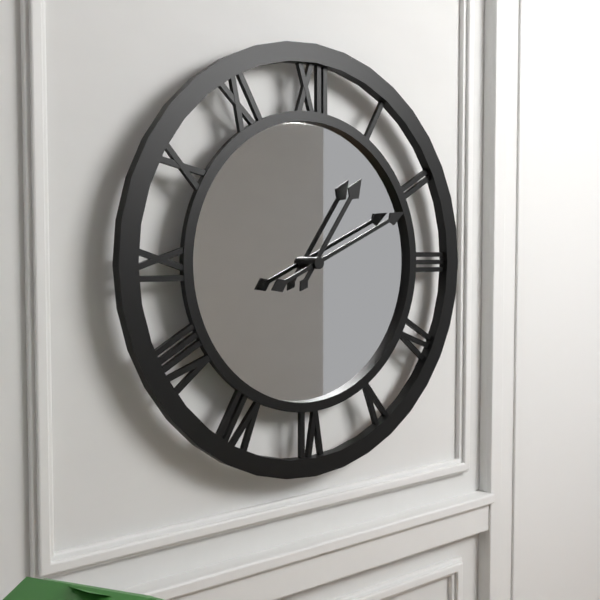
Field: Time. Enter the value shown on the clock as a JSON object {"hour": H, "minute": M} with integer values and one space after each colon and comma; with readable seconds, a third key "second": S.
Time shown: {"hour": 1, "minute": 11}
